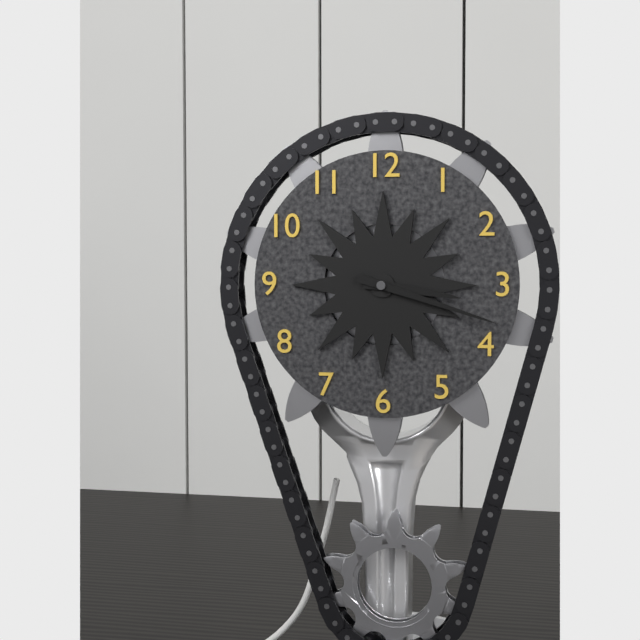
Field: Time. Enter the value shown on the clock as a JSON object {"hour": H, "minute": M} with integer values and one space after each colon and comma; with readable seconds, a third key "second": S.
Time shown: {"hour": 3, "minute": 18}
